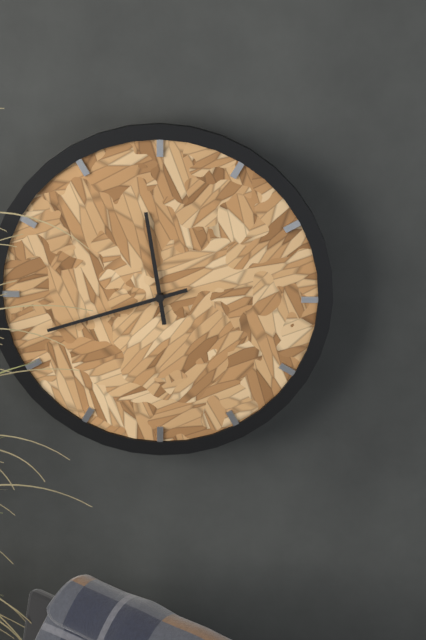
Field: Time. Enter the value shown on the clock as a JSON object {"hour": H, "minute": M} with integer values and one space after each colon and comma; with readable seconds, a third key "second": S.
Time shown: {"hour": 11, "minute": 42}
